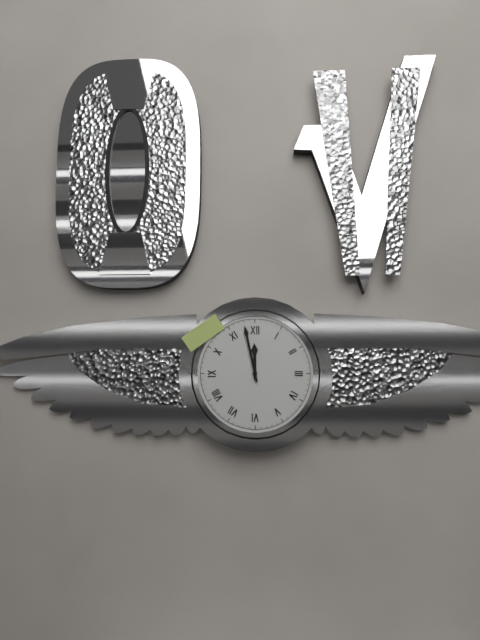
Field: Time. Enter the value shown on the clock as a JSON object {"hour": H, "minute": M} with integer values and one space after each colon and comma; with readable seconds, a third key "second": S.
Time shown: {"hour": 11, "minute": 58}
